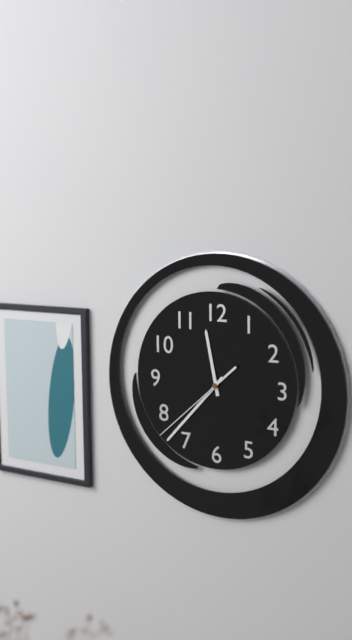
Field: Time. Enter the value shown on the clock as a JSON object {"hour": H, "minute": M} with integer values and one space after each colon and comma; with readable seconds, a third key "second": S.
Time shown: {"hour": 11, "minute": 37, "second": 38}
